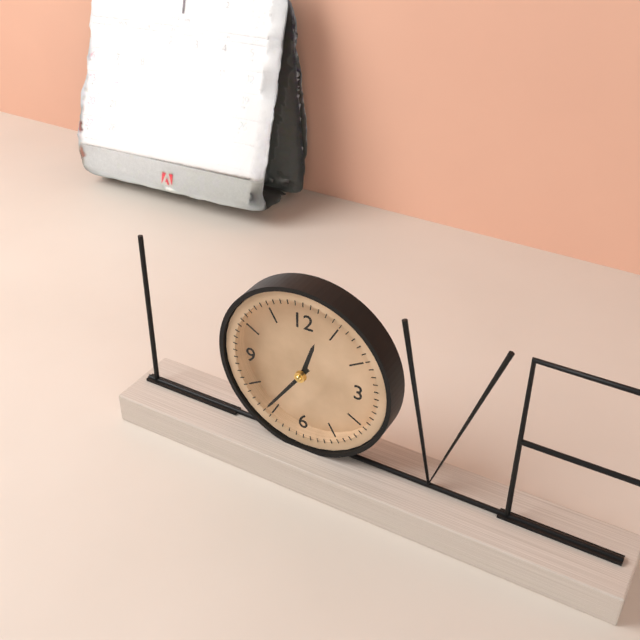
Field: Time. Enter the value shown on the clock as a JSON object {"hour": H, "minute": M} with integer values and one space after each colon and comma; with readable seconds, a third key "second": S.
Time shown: {"hour": 12, "minute": 36}
